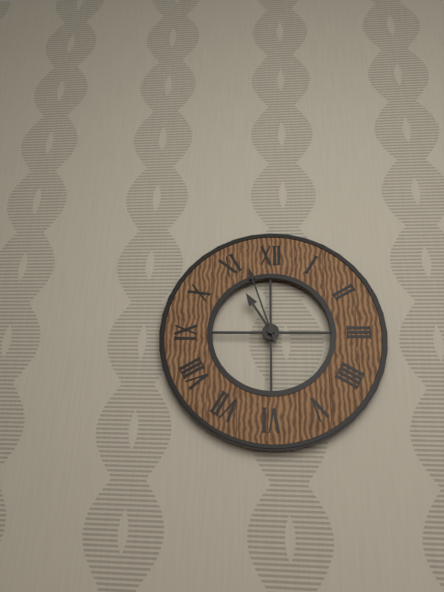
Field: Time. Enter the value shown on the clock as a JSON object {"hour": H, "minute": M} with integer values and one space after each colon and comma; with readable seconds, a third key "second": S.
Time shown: {"hour": 10, "minute": 57}
